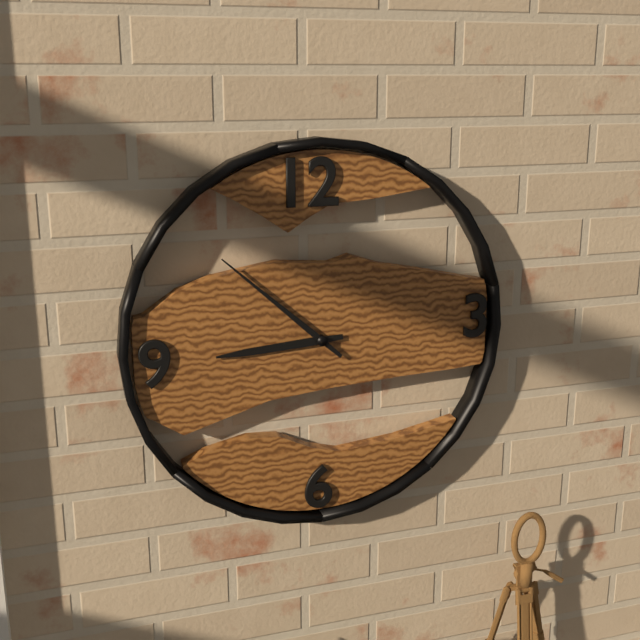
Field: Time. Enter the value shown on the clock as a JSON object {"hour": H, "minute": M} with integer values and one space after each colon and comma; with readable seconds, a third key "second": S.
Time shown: {"hour": 8, "minute": 52}
